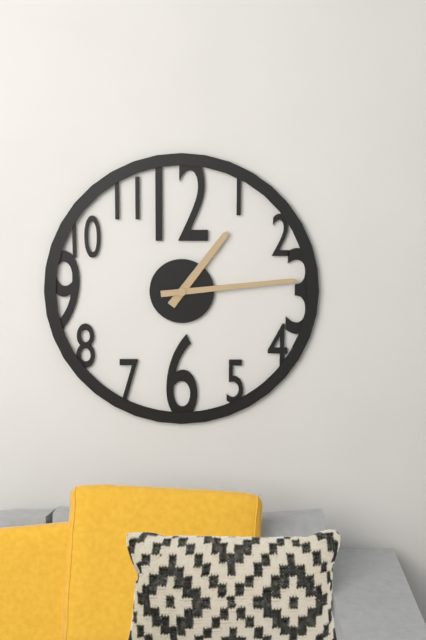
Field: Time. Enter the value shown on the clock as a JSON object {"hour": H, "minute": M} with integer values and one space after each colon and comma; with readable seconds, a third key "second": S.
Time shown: {"hour": 1, "minute": 14}
